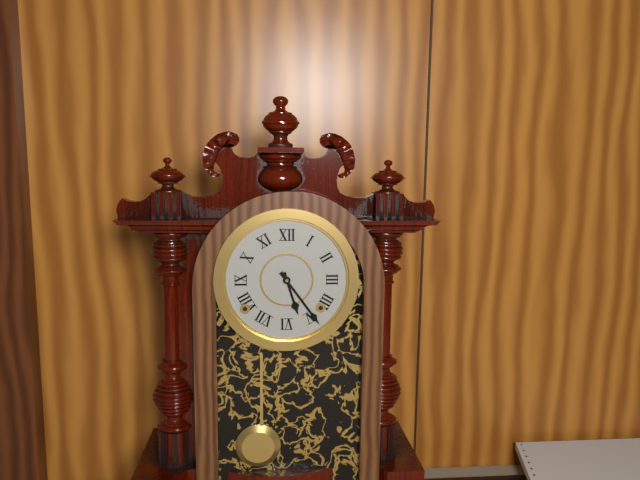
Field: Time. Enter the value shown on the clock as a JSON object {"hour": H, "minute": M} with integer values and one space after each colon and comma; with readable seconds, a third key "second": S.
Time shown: {"hour": 5, "minute": 24}
